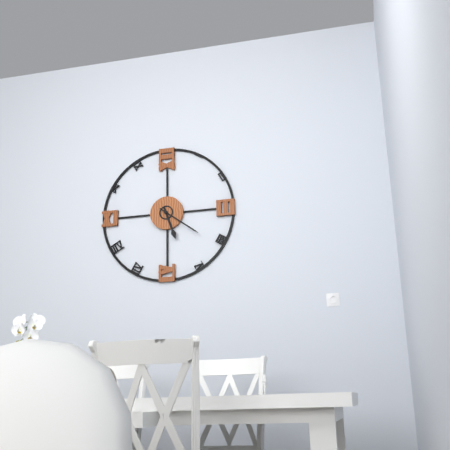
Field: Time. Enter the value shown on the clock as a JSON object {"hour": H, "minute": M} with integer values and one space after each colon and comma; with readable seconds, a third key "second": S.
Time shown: {"hour": 5, "minute": 21}
